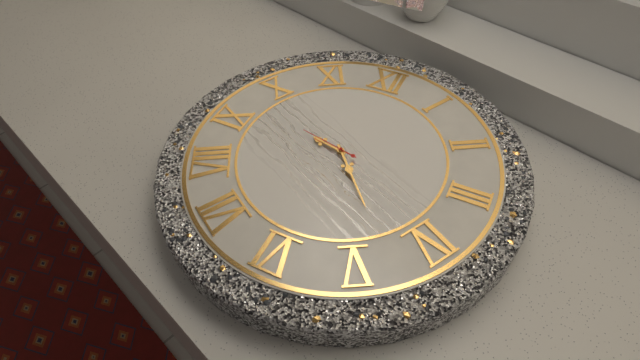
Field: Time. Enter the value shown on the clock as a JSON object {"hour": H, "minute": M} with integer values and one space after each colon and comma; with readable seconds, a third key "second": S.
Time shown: {"hour": 9, "minute": 23, "second": 47}
